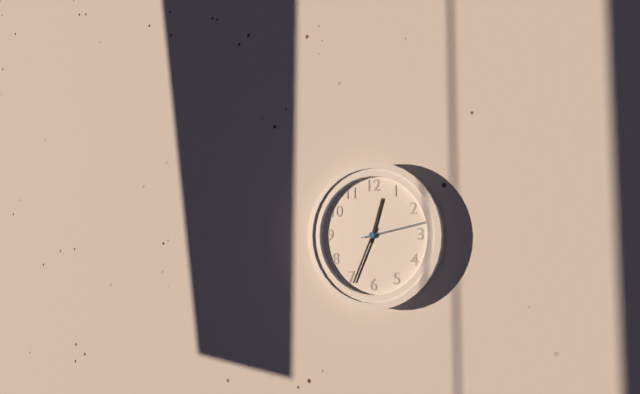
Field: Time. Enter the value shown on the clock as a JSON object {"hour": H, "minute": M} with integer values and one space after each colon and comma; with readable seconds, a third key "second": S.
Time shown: {"hour": 12, "minute": 34, "second": 13}
